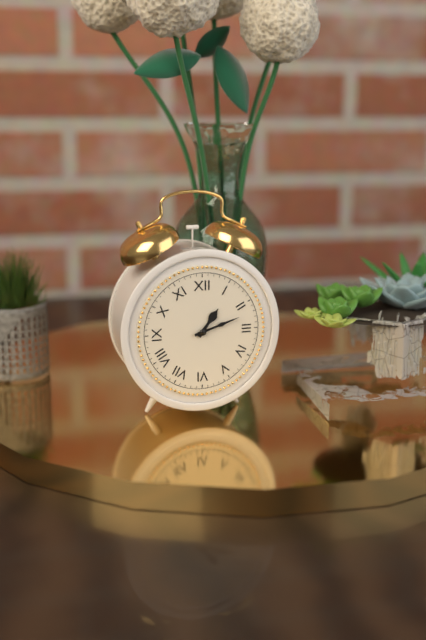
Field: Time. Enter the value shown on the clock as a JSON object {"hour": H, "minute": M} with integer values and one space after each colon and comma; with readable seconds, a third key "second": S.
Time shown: {"hour": 1, "minute": 12}
